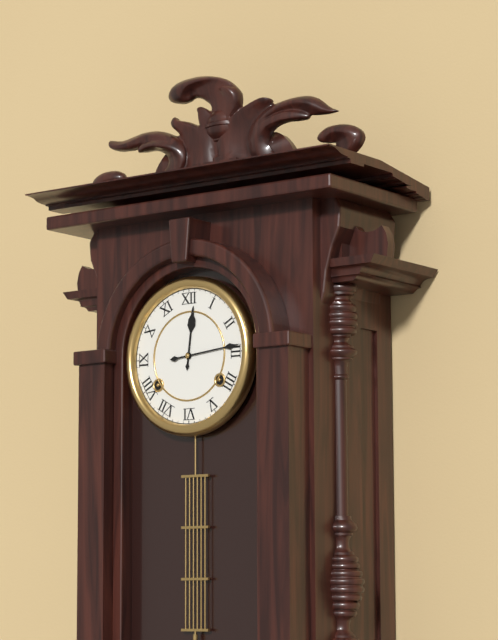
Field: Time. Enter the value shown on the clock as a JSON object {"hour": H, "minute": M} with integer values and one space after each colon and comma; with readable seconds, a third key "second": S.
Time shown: {"hour": 12, "minute": 14}
